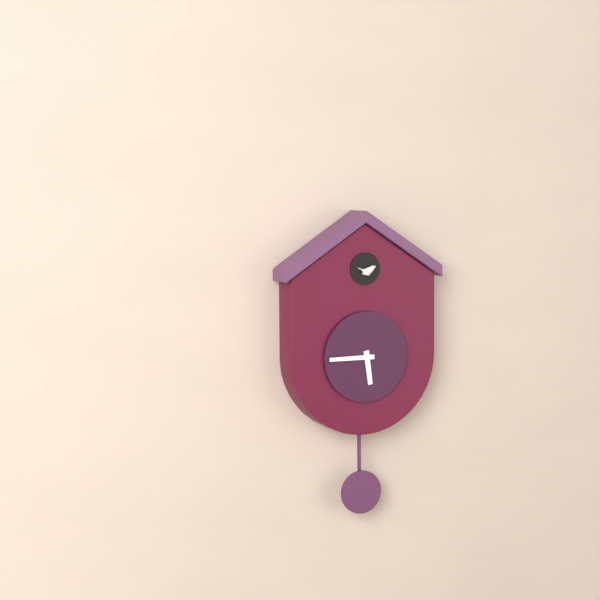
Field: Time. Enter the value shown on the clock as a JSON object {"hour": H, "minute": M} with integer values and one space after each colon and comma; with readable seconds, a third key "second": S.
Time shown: {"hour": 5, "minute": 45}
